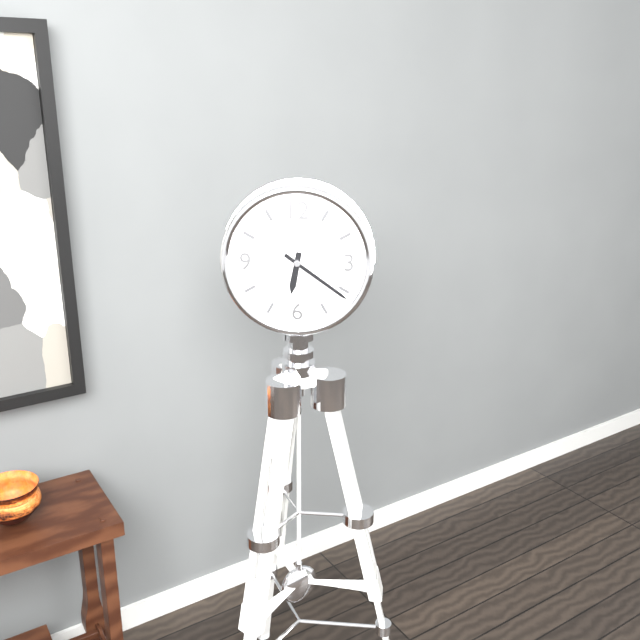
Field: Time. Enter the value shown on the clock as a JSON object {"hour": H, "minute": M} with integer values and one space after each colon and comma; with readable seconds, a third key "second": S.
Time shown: {"hour": 6, "minute": 21}
